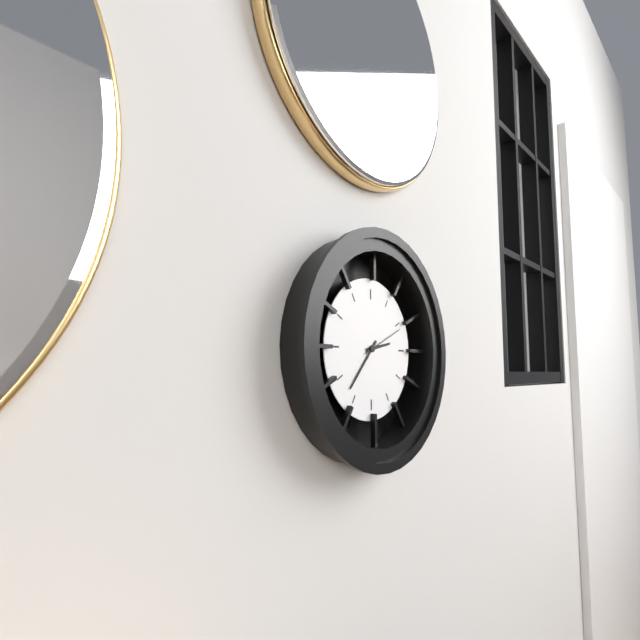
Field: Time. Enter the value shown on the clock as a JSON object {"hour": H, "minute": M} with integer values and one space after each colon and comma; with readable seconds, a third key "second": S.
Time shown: {"hour": 2, "minute": 37}
